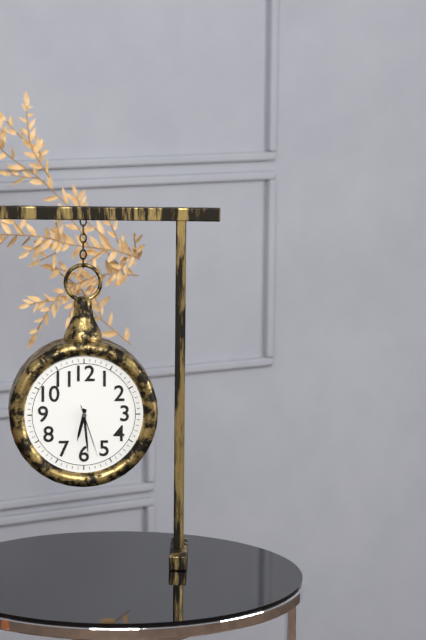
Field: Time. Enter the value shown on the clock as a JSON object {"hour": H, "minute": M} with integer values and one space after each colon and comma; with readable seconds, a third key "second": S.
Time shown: {"hour": 6, "minute": 29, "second": 27}
